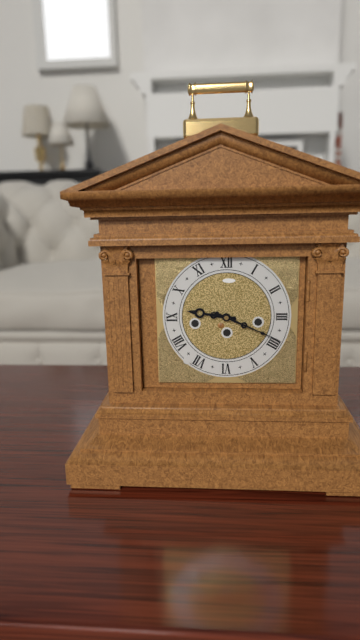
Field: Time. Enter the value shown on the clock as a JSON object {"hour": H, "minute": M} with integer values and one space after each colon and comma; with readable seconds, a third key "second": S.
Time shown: {"hour": 9, "minute": 19}
